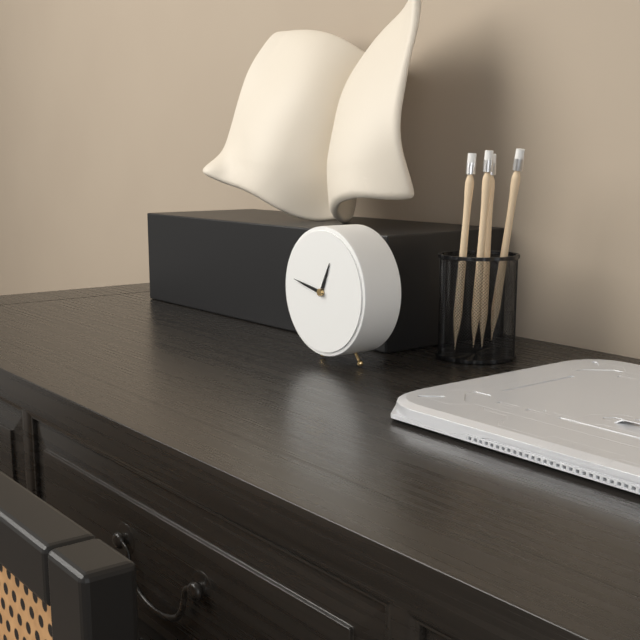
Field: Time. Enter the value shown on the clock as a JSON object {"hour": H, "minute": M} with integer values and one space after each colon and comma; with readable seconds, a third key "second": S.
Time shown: {"hour": 12, "minute": 47}
